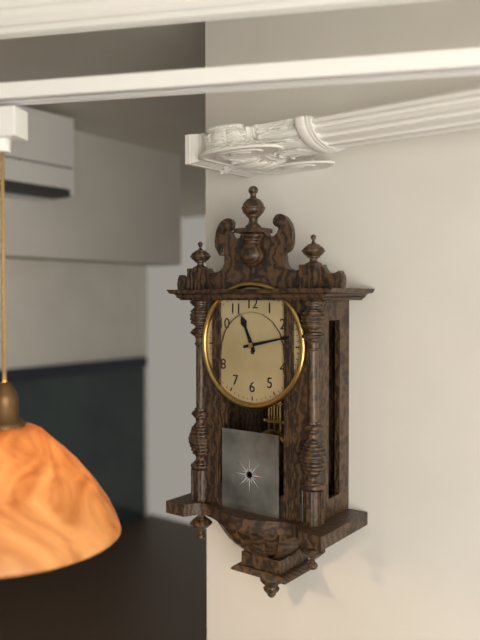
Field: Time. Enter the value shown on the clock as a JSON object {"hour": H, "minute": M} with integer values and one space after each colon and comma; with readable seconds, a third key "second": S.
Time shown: {"hour": 11, "minute": 13}
